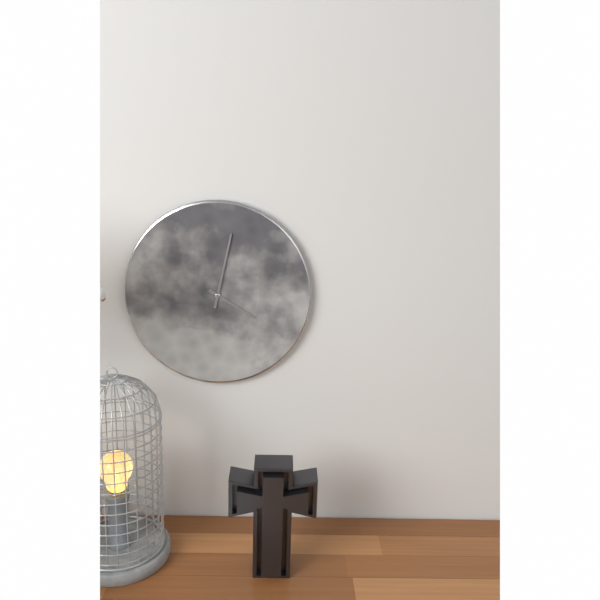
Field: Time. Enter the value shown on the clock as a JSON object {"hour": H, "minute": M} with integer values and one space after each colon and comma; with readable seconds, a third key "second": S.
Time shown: {"hour": 4, "minute": 2}
